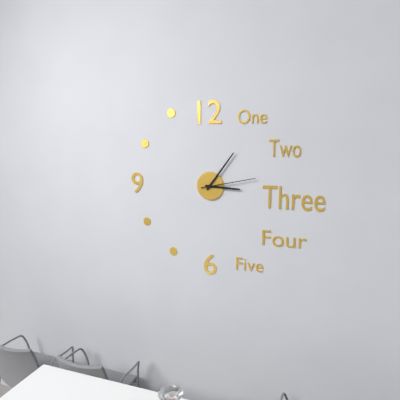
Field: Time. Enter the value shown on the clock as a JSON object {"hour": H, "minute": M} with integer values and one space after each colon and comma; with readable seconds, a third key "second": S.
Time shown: {"hour": 3, "minute": 6, "second": 13}
